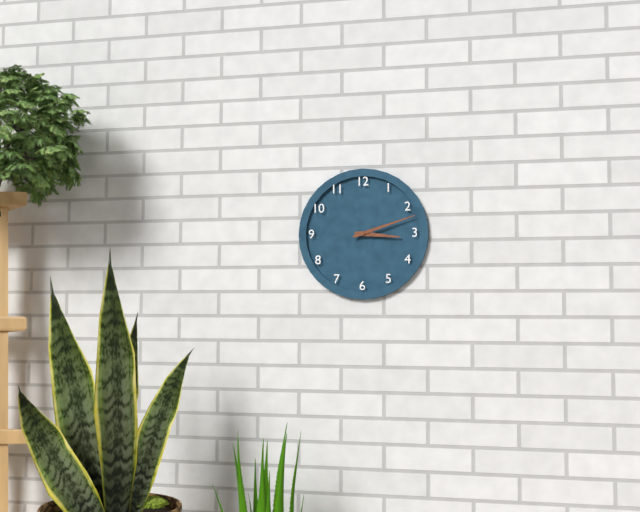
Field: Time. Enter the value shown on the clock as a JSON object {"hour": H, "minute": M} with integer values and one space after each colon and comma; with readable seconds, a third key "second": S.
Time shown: {"hour": 3, "minute": 12}
